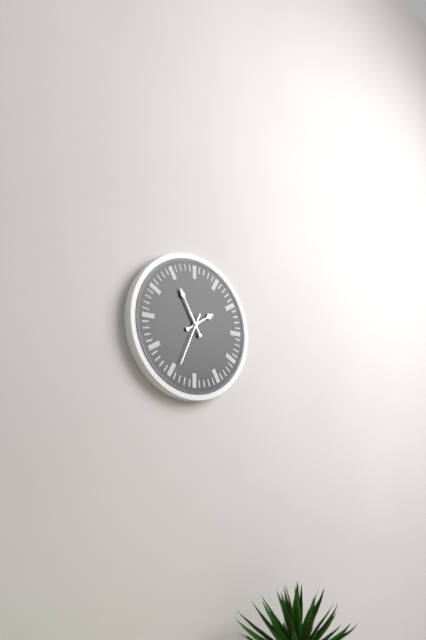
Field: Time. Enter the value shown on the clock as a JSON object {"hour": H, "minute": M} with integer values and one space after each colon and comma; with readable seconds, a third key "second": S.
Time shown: {"hour": 1, "minute": 55, "second": 34}
